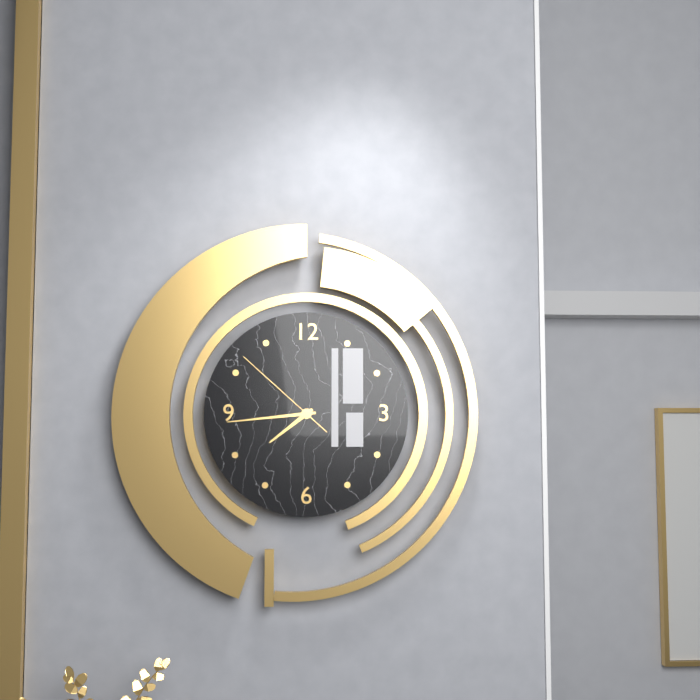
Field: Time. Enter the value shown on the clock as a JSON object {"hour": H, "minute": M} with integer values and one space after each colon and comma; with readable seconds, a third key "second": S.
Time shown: {"hour": 7, "minute": 44, "second": 52}
